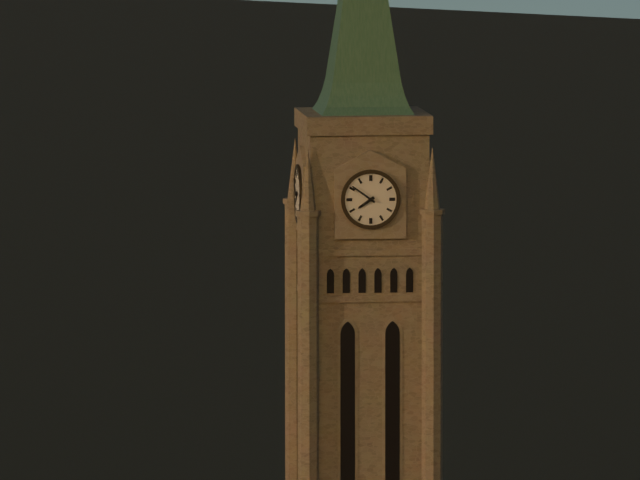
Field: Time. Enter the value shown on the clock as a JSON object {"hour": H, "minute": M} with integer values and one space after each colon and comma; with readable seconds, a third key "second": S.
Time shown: {"hour": 7, "minute": 51}
